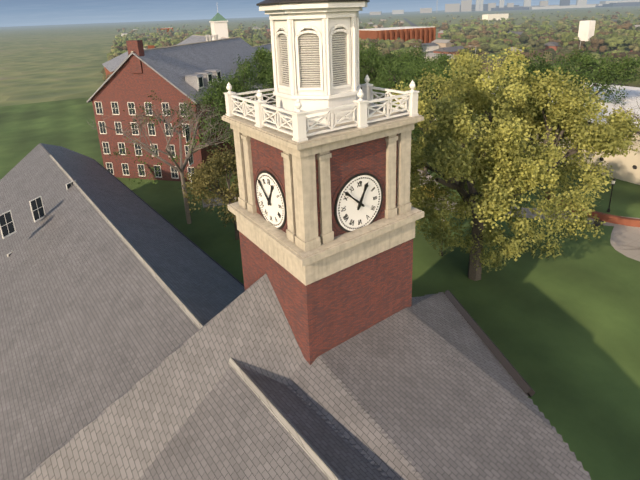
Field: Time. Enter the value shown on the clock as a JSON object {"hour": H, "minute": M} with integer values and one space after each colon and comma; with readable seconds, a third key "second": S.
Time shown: {"hour": 12, "minute": 52}
